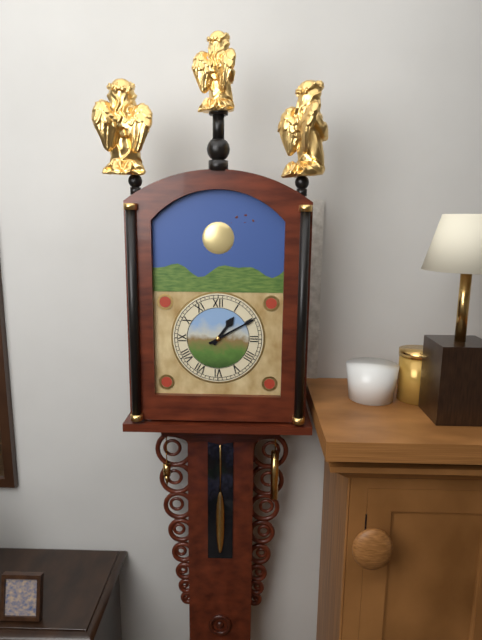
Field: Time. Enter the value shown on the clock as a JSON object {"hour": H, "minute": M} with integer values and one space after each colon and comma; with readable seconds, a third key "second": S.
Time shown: {"hour": 1, "minute": 10}
